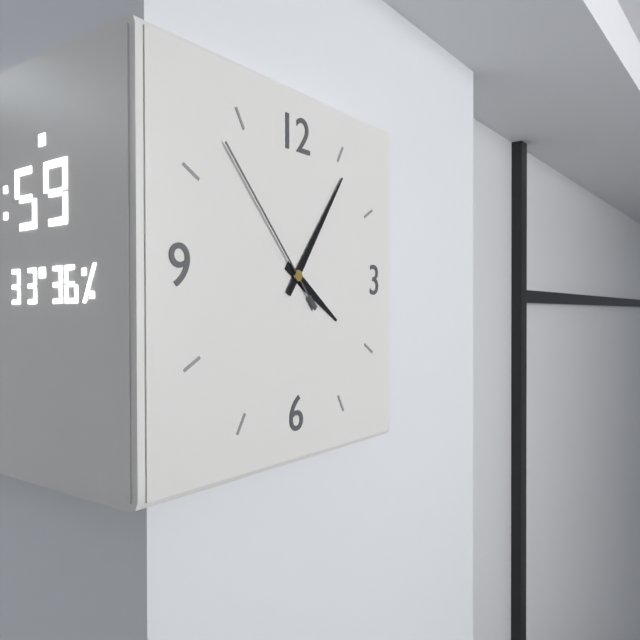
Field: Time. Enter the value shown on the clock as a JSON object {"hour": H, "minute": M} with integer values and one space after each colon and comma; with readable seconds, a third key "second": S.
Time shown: {"hour": 4, "minute": 6, "second": 53}
